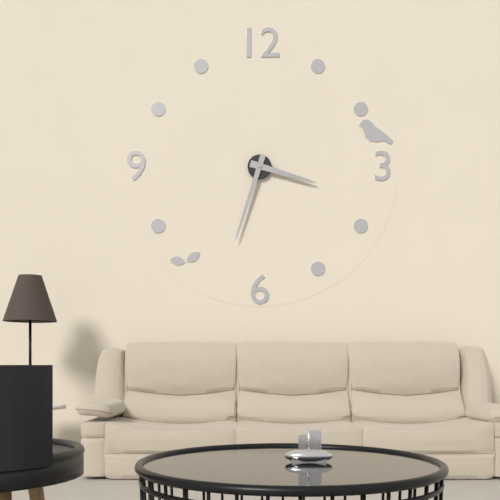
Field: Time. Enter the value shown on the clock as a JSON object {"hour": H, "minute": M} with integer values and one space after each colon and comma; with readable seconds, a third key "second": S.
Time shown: {"hour": 3, "minute": 33}
